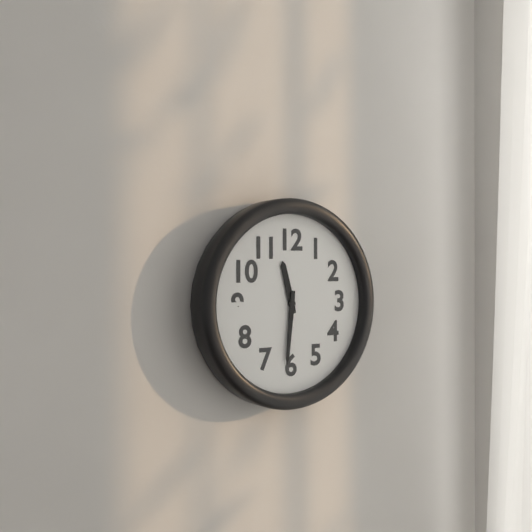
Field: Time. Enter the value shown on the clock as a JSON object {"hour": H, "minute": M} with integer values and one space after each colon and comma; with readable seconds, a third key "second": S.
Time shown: {"hour": 11, "minute": 31}
